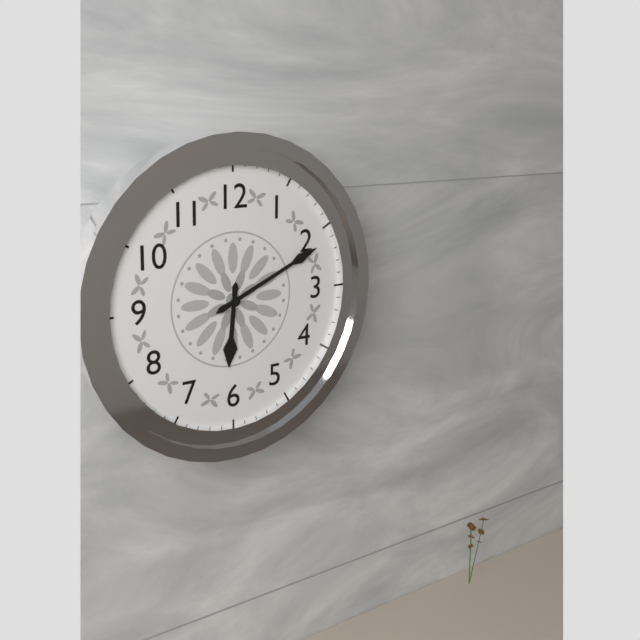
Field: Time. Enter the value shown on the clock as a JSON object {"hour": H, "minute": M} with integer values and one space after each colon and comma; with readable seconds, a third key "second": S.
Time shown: {"hour": 6, "minute": 11}
